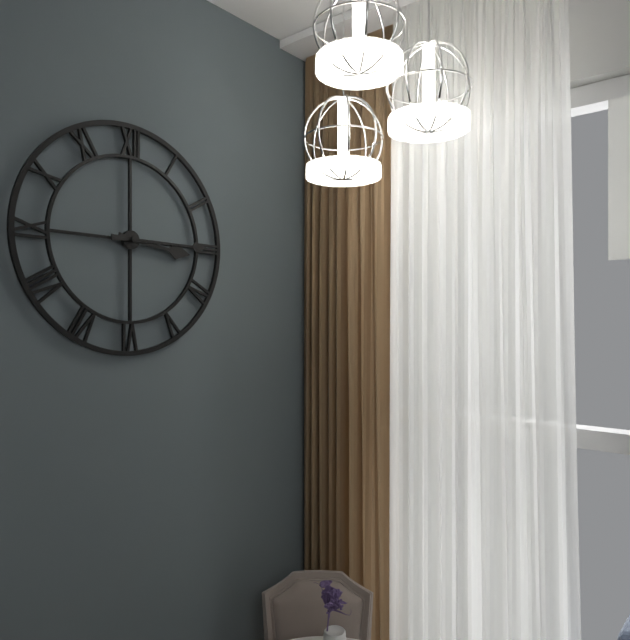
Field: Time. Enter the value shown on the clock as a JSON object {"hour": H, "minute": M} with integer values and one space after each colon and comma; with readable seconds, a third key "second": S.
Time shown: {"hour": 3, "minute": 15}
